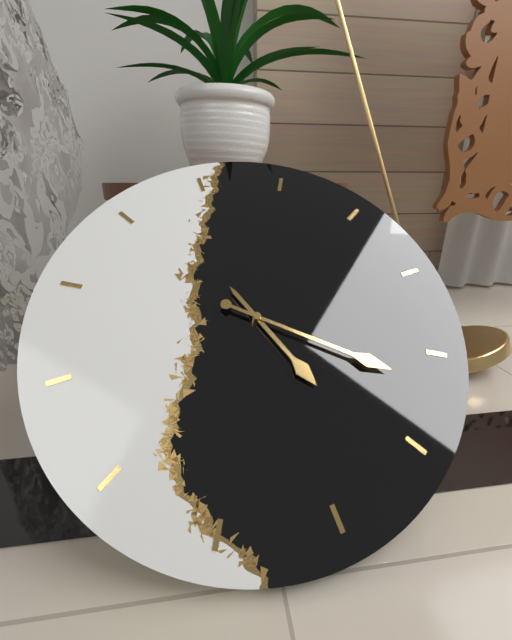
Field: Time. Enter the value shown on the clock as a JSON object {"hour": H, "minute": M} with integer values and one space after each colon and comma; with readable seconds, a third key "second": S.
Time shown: {"hour": 5, "minute": 22}
